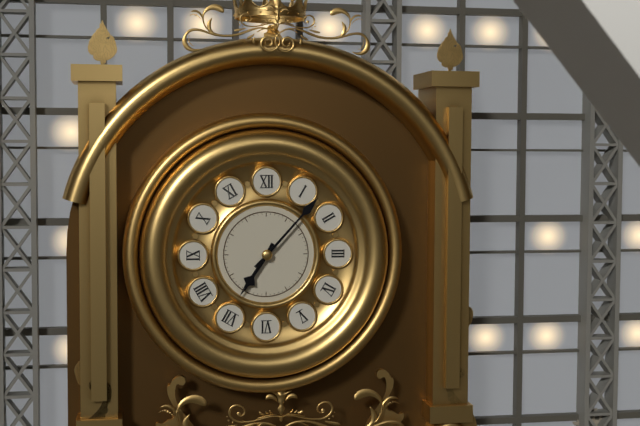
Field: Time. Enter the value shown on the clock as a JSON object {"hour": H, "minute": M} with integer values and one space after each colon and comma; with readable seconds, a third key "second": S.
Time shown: {"hour": 7, "minute": 7}
